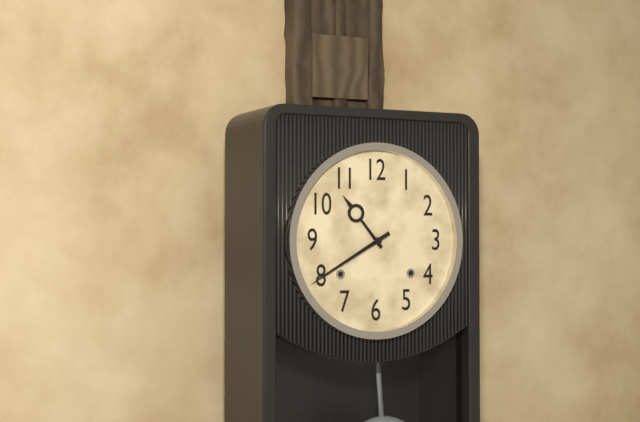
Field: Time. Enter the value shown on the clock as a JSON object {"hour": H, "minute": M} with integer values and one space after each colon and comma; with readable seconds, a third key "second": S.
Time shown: {"hour": 10, "minute": 40}
